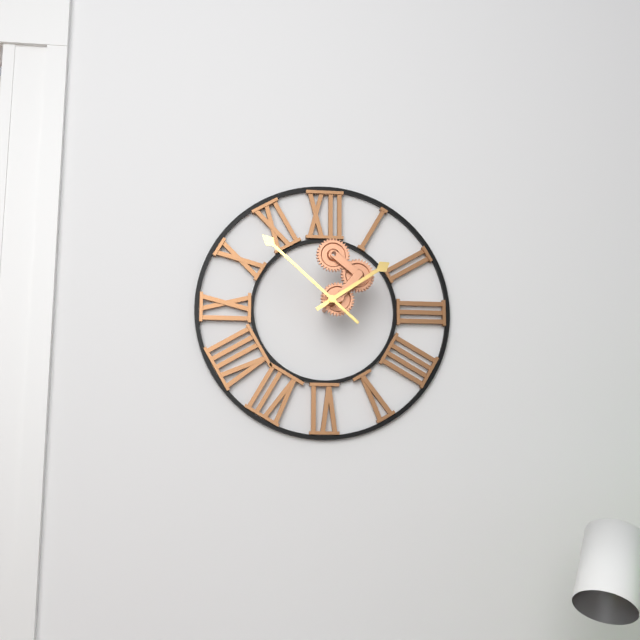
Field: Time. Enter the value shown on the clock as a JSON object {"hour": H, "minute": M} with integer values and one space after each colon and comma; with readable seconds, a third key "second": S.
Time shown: {"hour": 1, "minute": 52}
